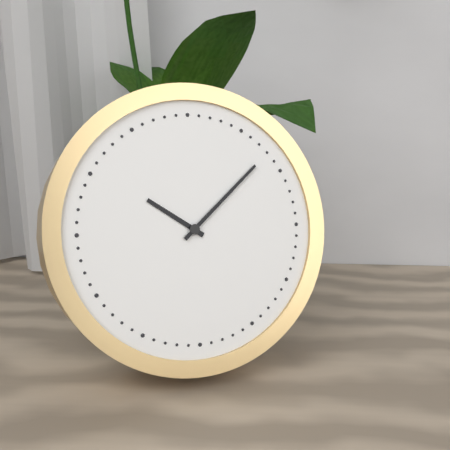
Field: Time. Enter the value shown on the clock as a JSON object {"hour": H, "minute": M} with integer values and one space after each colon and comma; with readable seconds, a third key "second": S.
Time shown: {"hour": 10, "minute": 8}
